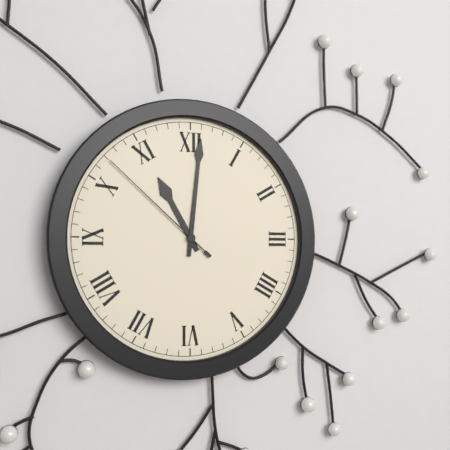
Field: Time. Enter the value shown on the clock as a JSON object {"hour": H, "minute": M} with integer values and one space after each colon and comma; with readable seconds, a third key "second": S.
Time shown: {"hour": 11, "minute": 1, "second": 52}
